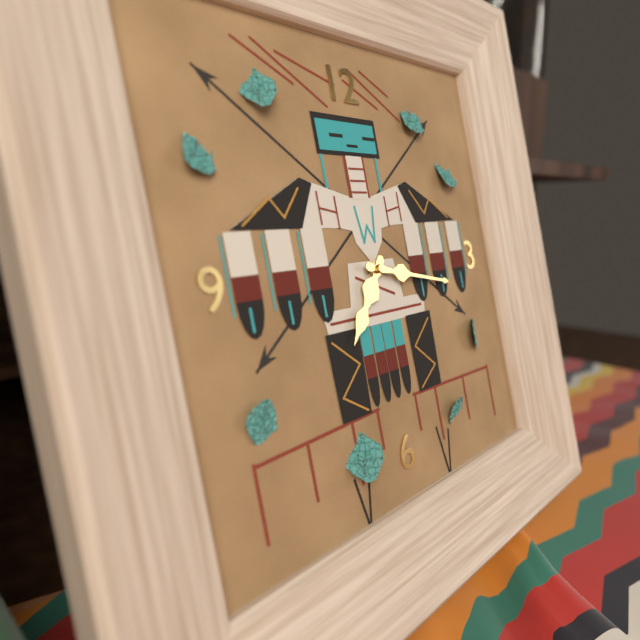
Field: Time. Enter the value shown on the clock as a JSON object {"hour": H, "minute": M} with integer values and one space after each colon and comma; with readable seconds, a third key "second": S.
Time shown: {"hour": 7, "minute": 17}
